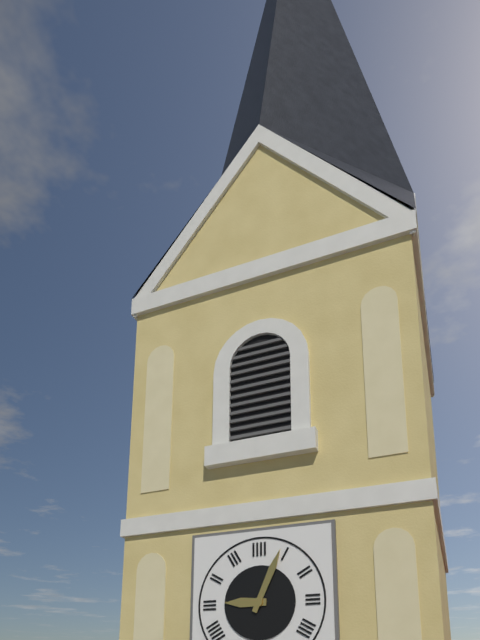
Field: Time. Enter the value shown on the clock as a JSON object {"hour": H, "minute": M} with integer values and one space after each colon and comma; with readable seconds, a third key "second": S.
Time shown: {"hour": 9, "minute": 4}
